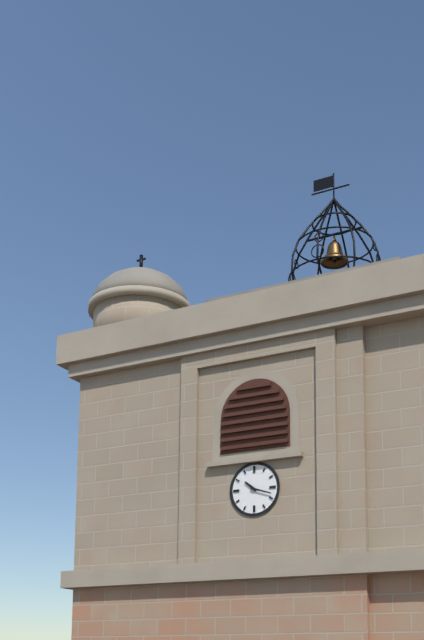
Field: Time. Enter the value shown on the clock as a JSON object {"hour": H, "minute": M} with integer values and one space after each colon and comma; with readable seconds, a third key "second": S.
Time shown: {"hour": 10, "minute": 18}
